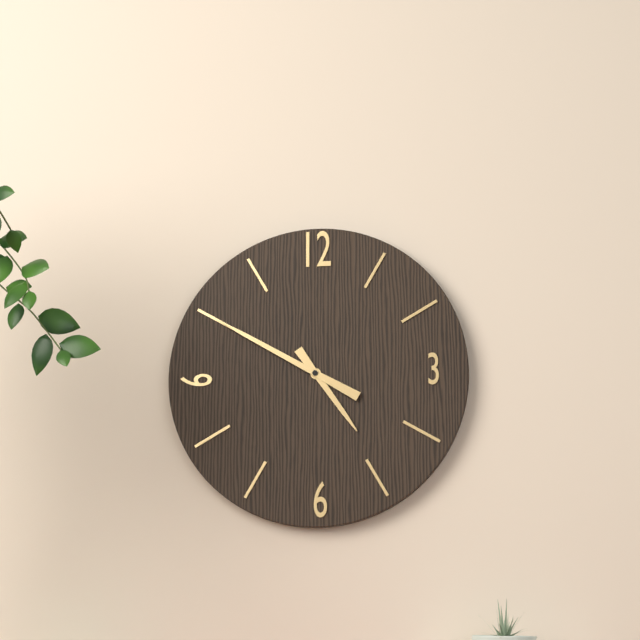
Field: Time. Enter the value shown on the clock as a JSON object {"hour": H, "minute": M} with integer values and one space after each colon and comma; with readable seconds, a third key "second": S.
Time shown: {"hour": 4, "minute": 50}
